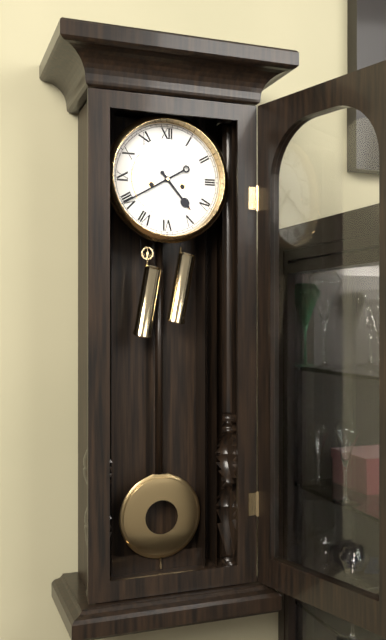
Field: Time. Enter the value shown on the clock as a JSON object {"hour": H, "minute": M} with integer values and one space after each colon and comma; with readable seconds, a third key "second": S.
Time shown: {"hour": 4, "minute": 40}
